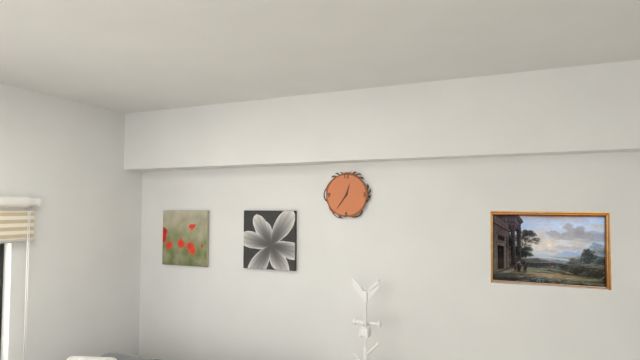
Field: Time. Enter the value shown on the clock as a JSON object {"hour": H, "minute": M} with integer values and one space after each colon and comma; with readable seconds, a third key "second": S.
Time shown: {"hour": 12, "minute": 36}
